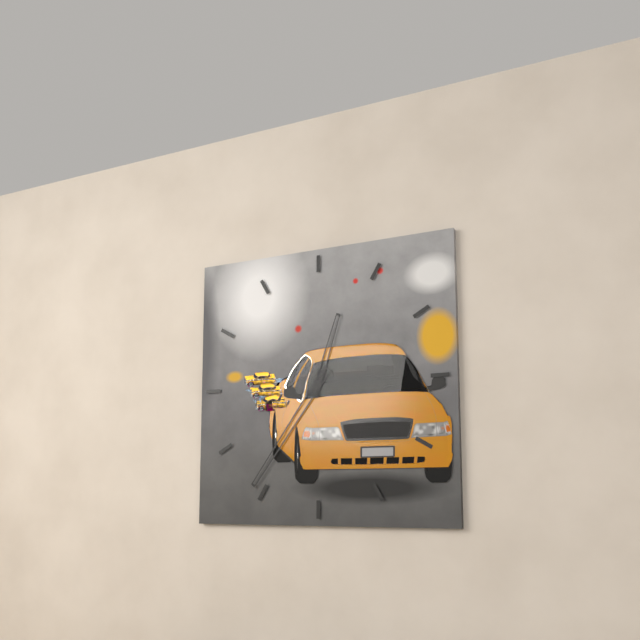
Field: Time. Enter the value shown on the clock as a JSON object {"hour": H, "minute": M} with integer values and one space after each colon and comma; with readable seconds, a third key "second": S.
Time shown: {"hour": 12, "minute": 36}
